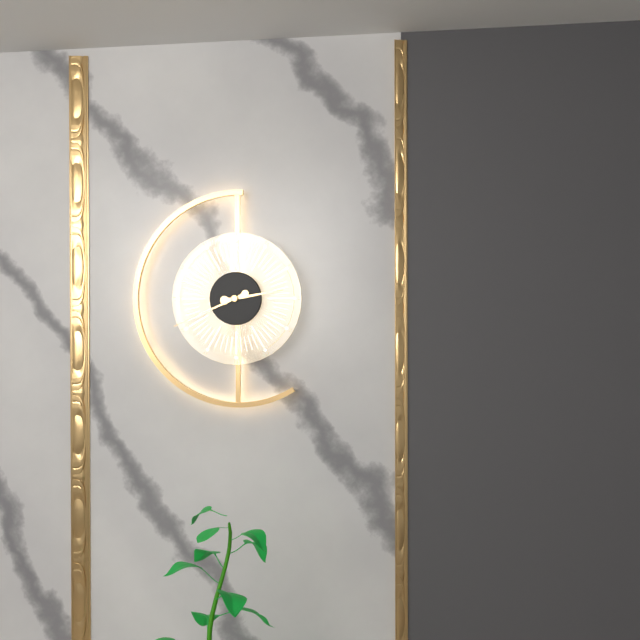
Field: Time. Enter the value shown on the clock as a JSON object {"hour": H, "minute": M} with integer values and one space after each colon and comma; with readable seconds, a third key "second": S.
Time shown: {"hour": 2, "minute": 41}
